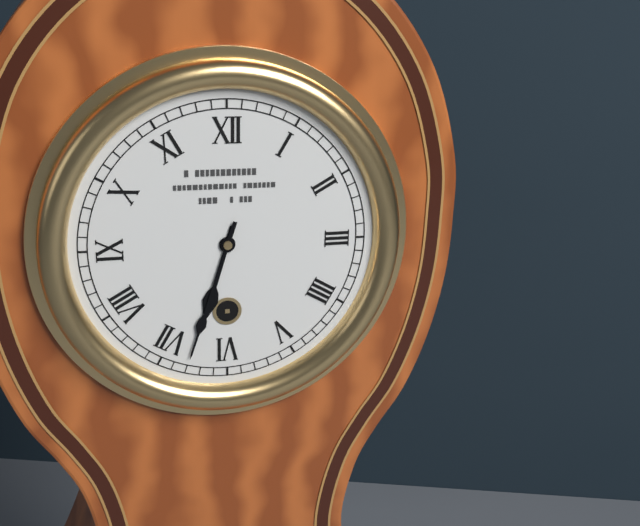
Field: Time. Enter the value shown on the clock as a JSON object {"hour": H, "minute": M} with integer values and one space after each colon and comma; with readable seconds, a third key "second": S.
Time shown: {"hour": 6, "minute": 33}
